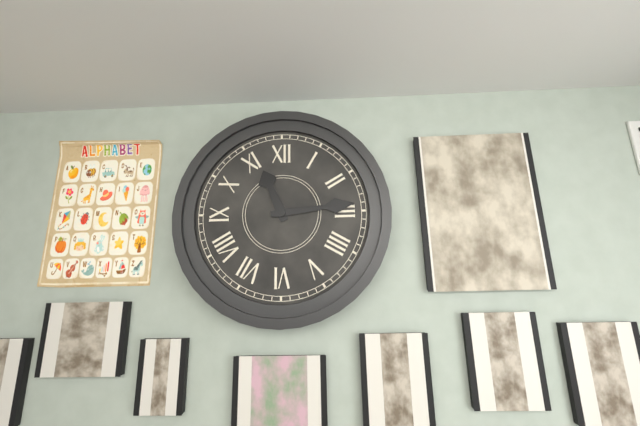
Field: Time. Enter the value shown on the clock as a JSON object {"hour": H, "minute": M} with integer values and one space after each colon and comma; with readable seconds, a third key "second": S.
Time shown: {"hour": 11, "minute": 14}
